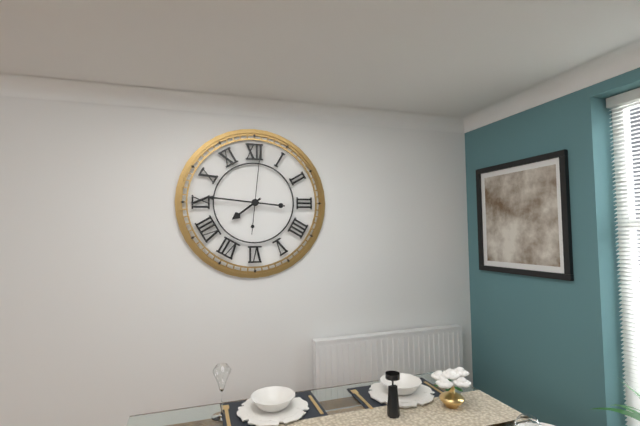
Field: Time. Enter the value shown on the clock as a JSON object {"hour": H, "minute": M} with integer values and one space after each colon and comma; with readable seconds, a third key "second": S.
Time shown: {"hour": 7, "minute": 46, "second": 1}
